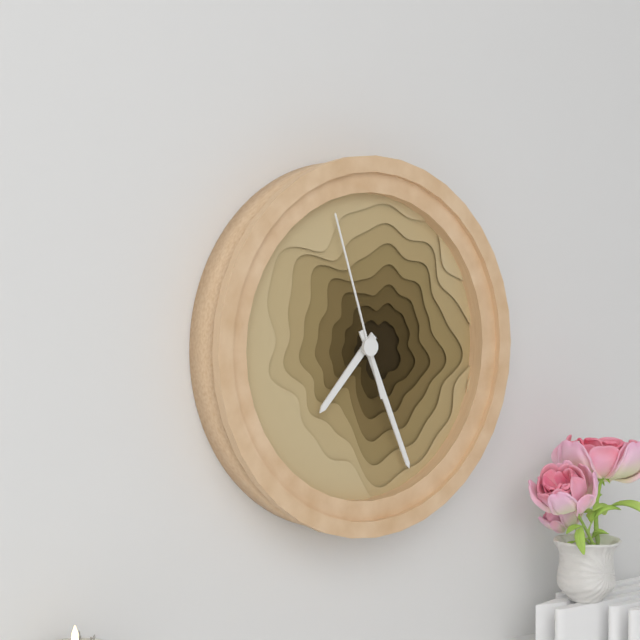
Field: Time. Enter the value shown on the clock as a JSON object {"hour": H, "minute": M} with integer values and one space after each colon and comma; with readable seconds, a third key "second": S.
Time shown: {"hour": 7, "minute": 26, "second": 57}
